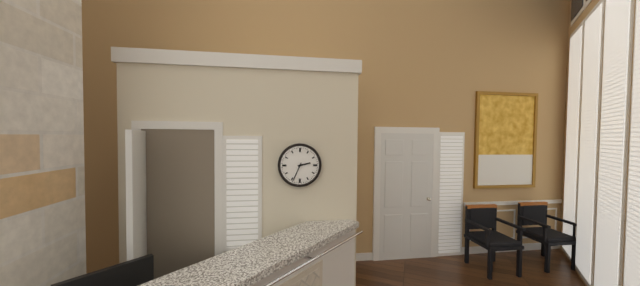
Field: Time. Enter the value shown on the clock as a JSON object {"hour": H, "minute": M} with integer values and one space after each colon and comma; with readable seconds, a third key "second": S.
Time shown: {"hour": 2, "minute": 34}
